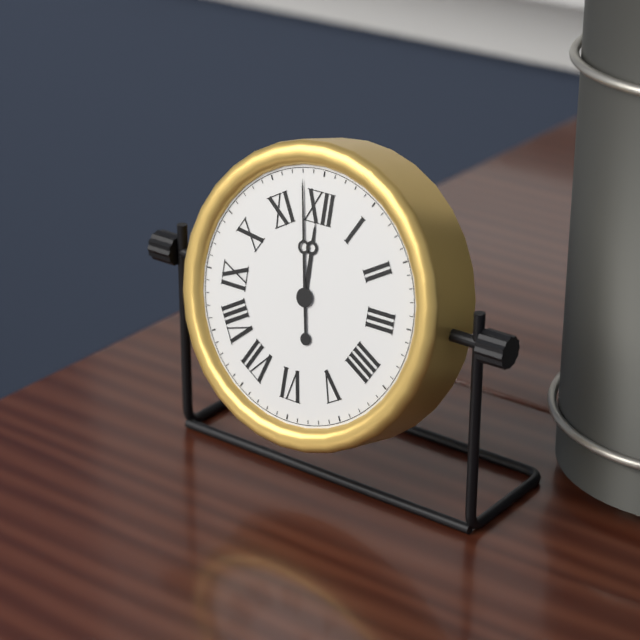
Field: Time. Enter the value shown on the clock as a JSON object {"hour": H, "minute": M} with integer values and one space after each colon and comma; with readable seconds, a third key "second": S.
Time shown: {"hour": 11, "minute": 58}
